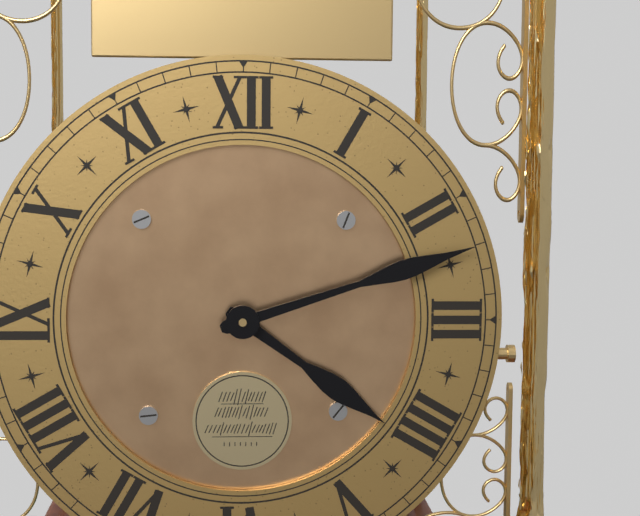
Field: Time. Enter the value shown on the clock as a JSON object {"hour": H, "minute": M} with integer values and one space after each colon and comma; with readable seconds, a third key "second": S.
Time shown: {"hour": 4, "minute": 12}
